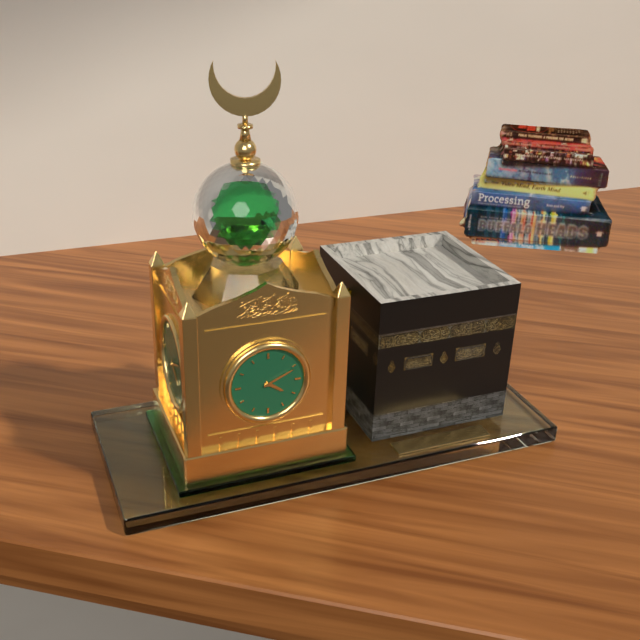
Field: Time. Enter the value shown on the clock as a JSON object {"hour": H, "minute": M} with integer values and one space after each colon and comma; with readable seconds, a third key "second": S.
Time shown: {"hour": 4, "minute": 11}
